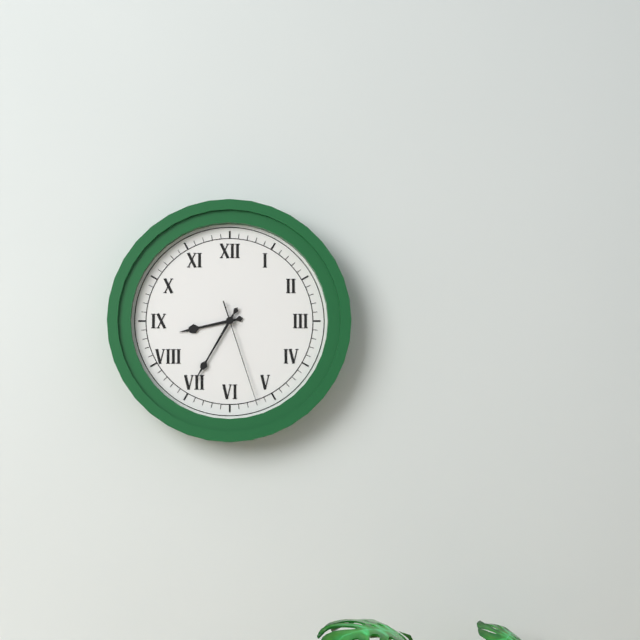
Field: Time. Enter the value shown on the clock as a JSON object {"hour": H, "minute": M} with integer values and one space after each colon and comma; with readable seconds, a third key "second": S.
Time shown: {"hour": 8, "minute": 35, "second": 27}
